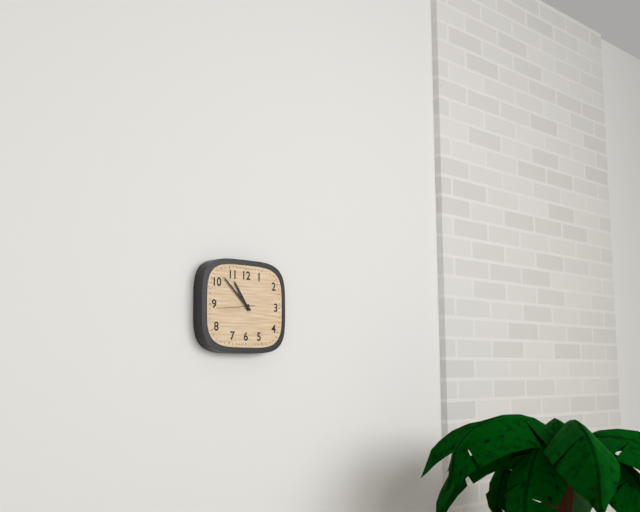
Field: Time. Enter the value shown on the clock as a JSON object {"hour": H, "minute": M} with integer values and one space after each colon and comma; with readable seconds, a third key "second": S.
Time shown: {"hour": 10, "minute": 52}
